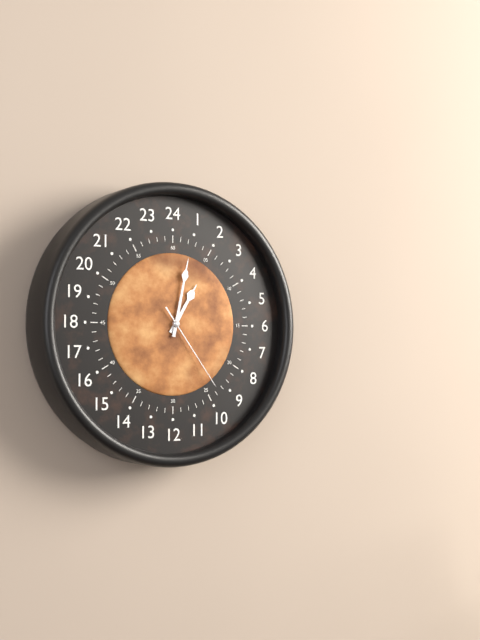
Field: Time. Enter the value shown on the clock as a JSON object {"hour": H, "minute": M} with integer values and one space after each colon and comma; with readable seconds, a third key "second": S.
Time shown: {"hour": 1, "minute": 2, "second": 24}
